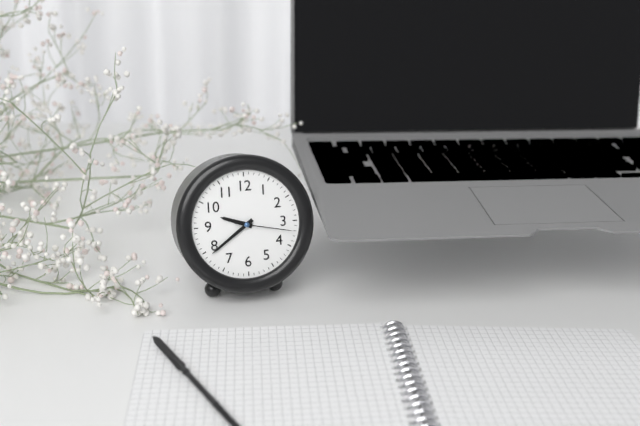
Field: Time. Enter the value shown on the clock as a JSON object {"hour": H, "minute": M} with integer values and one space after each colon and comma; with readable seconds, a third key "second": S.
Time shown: {"hour": 9, "minute": 39, "second": 17}
